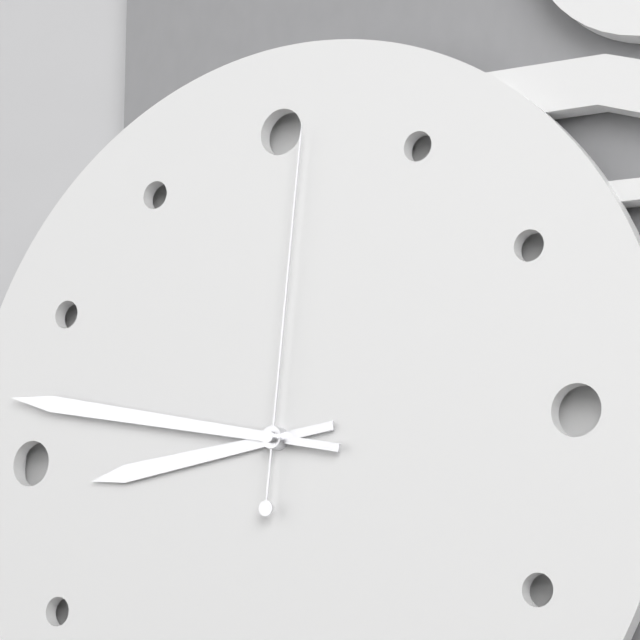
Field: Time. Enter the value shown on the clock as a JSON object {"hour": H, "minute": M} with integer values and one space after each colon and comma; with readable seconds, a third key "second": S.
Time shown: {"hour": 8, "minute": 47, "second": 1}
